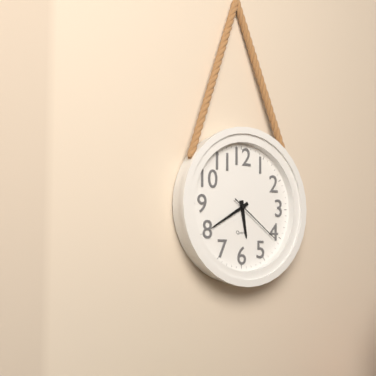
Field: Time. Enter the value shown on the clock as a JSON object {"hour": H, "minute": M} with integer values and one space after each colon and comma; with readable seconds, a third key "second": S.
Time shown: {"hour": 5, "minute": 40, "second": 21}
